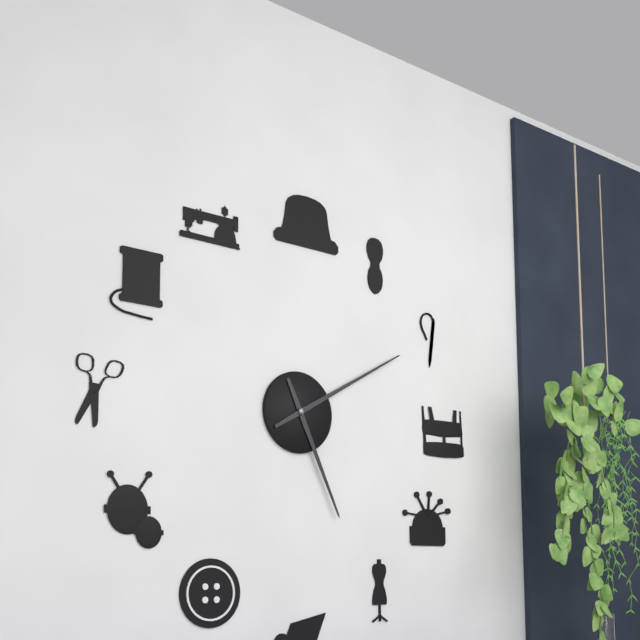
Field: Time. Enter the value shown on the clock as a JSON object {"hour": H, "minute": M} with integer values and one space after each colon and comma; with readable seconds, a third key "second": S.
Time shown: {"hour": 5, "minute": 10}
